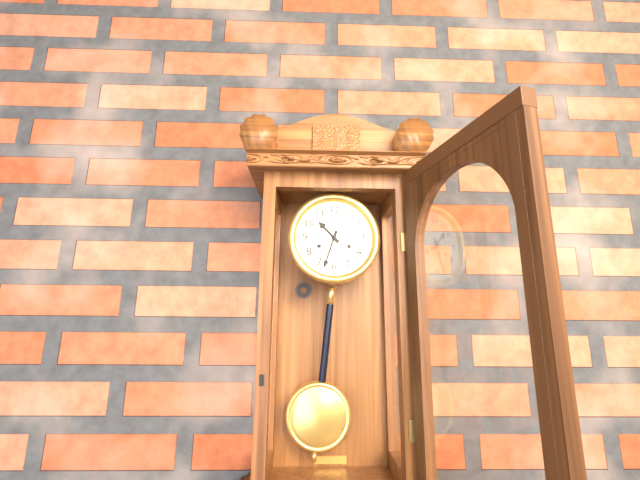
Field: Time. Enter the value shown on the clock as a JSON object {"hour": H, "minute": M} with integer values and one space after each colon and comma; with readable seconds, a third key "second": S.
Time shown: {"hour": 10, "minute": 33}
